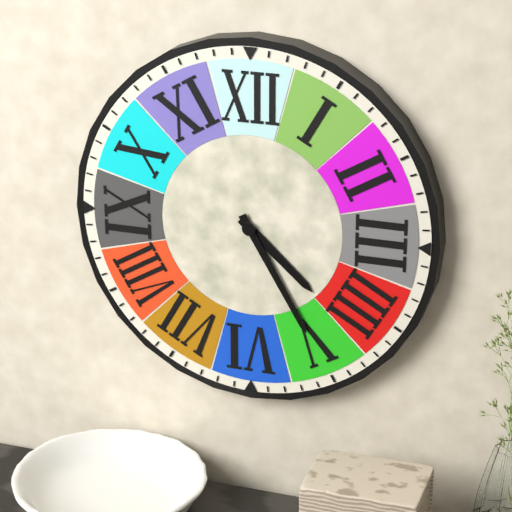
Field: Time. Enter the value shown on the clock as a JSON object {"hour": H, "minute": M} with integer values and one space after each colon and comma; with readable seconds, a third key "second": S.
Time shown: {"hour": 4, "minute": 25}
